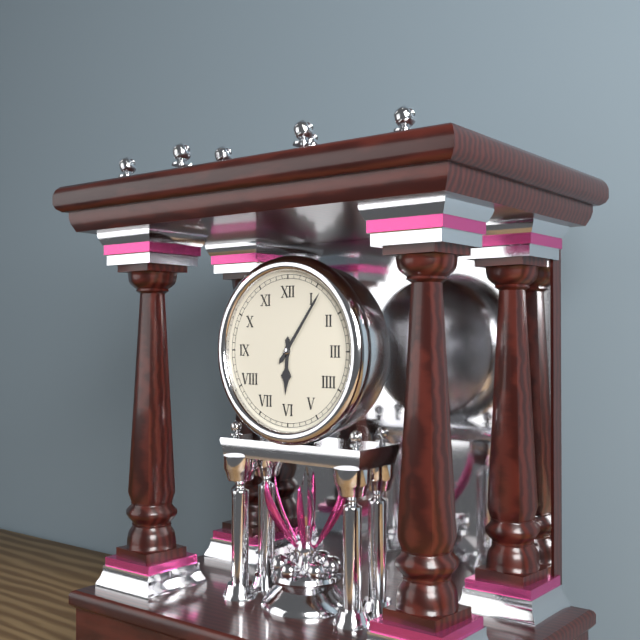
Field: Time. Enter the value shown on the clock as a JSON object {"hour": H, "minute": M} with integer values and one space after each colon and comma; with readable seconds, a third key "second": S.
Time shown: {"hour": 6, "minute": 6}
